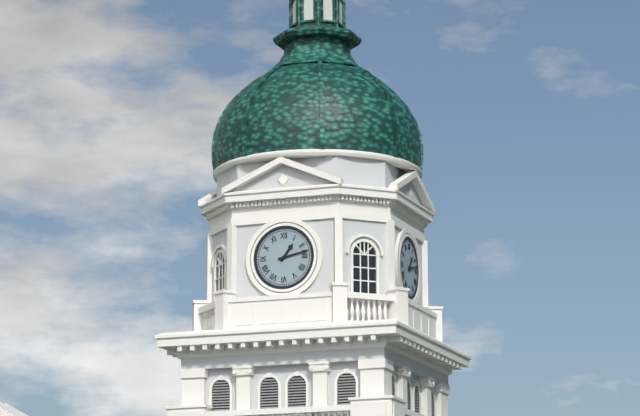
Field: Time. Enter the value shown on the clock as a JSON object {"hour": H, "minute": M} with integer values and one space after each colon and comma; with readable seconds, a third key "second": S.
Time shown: {"hour": 1, "minute": 13}
